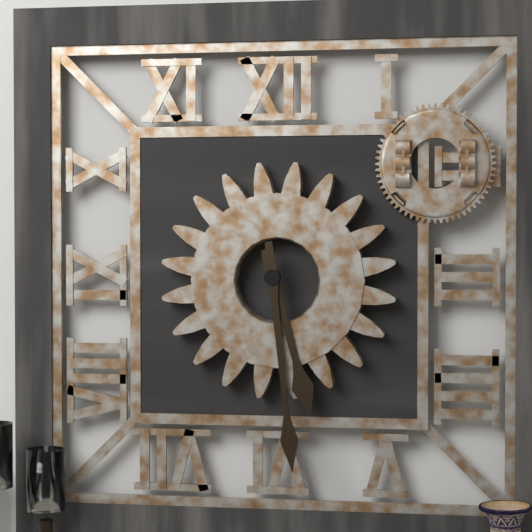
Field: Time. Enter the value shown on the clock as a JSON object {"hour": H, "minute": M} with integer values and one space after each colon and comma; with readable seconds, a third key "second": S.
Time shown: {"hour": 5, "minute": 29}
